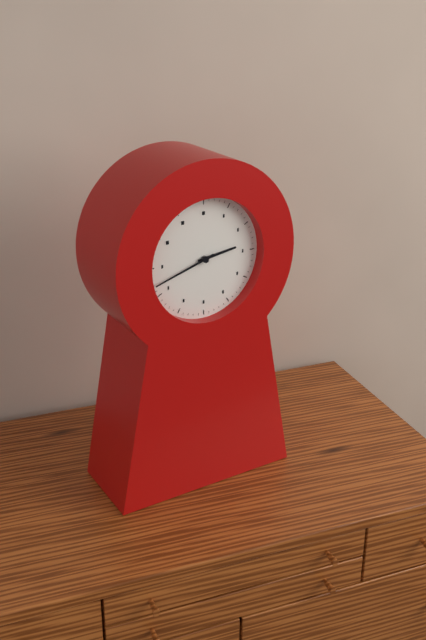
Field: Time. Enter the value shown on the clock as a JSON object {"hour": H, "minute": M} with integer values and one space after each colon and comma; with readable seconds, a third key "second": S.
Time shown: {"hour": 2, "minute": 42}
